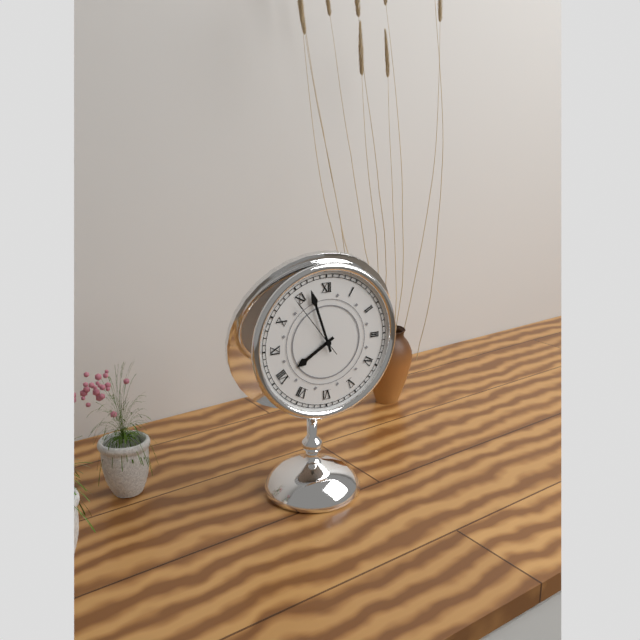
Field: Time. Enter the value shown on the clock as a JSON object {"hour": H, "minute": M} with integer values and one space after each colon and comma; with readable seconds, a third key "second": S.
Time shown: {"hour": 7, "minute": 57, "second": 54}
